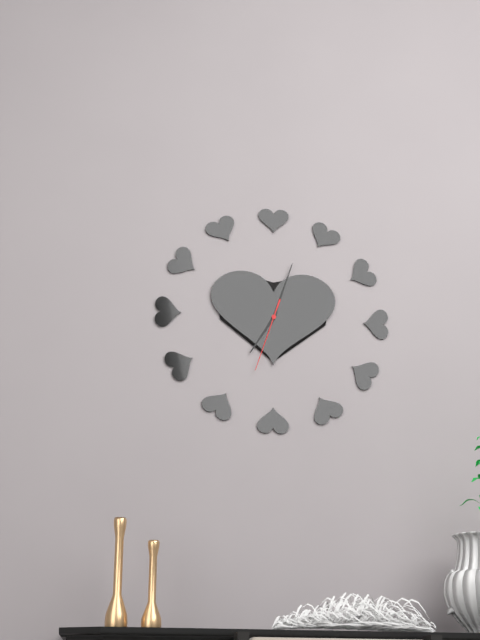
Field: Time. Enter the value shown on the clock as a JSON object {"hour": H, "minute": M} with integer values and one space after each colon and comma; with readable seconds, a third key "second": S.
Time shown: {"hour": 7, "minute": 3, "second": 33}
